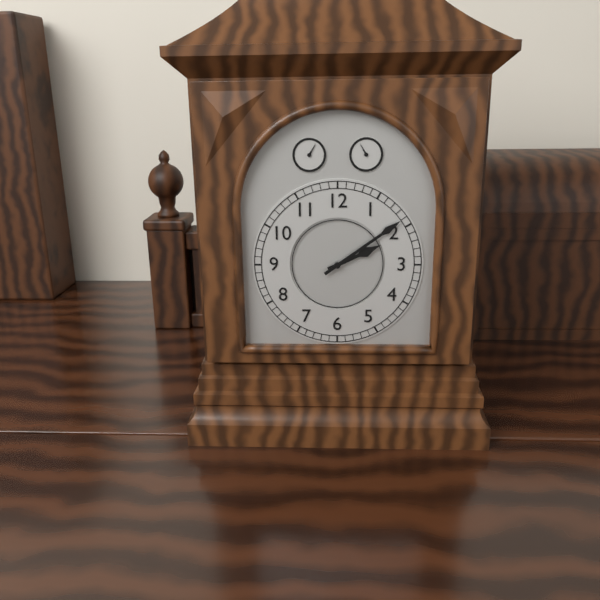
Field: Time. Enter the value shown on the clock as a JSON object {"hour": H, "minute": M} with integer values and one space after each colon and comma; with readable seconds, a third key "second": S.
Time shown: {"hour": 2, "minute": 9}
